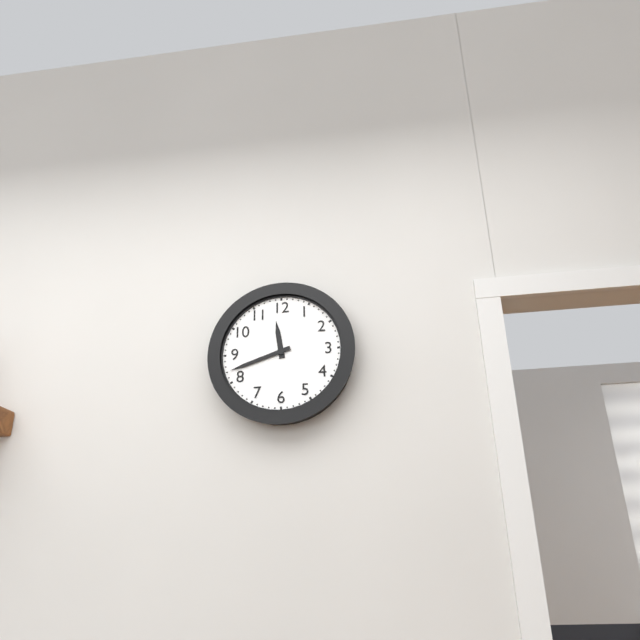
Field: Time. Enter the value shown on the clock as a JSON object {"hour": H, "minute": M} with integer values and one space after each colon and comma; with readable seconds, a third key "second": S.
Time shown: {"hour": 11, "minute": 42}
